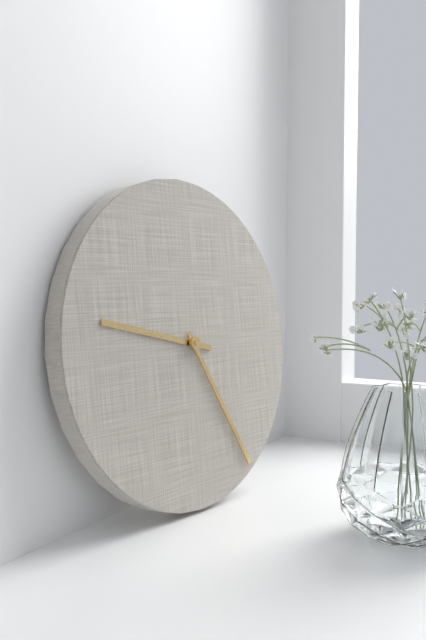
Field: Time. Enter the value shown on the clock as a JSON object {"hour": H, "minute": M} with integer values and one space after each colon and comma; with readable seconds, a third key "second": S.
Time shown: {"hour": 9, "minute": 25}
